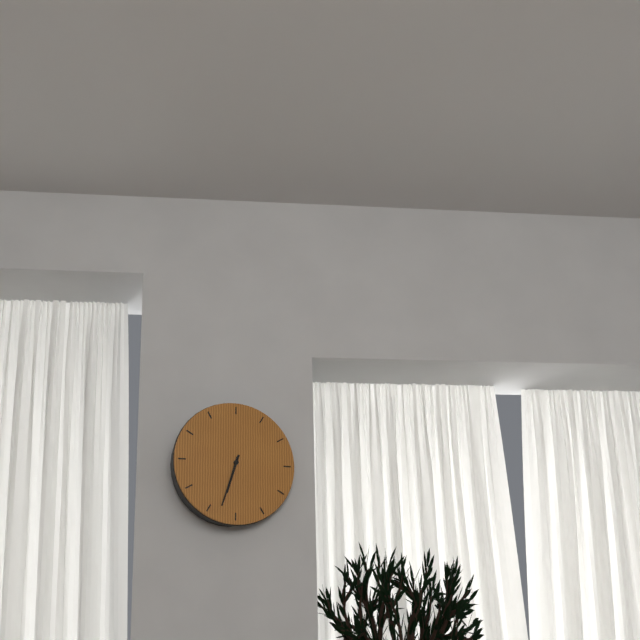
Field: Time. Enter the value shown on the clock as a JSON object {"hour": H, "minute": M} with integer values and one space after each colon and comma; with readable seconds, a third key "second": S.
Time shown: {"hour": 6, "minute": 33}
